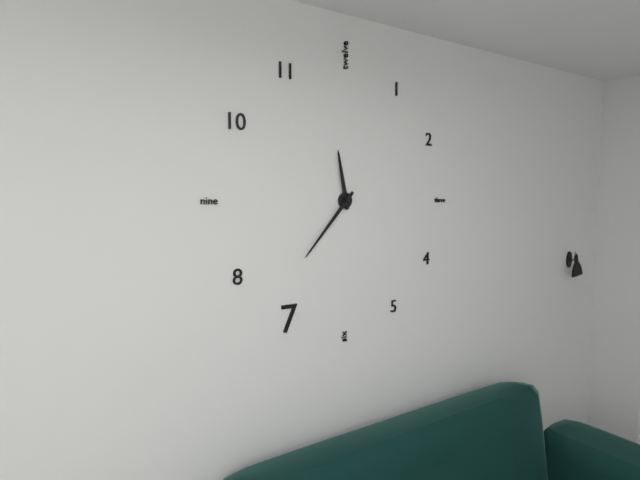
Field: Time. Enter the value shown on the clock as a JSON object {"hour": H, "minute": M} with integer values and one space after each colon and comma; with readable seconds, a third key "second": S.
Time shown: {"hour": 11, "minute": 37}
